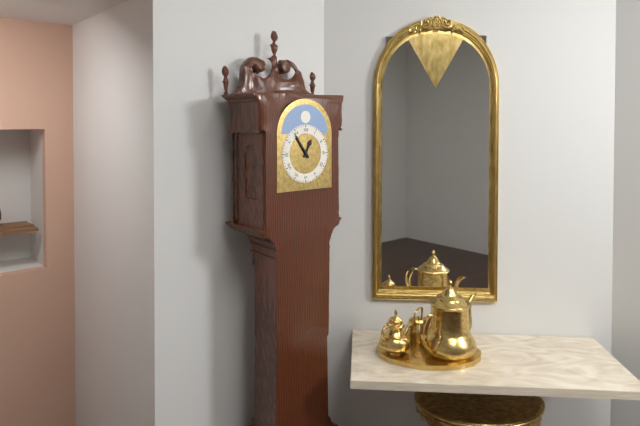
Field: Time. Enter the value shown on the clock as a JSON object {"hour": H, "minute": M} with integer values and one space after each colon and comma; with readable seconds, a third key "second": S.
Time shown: {"hour": 12, "minute": 54}
